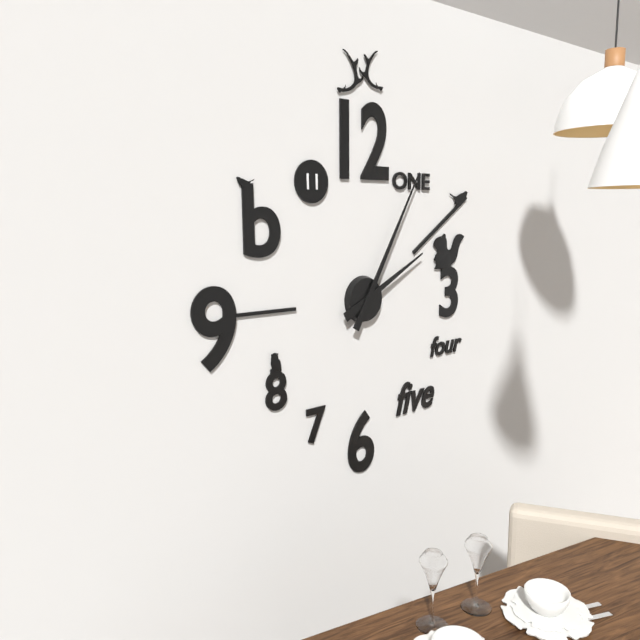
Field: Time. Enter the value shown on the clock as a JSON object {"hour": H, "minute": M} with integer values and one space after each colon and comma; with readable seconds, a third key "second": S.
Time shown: {"hour": 2, "minute": 5}
